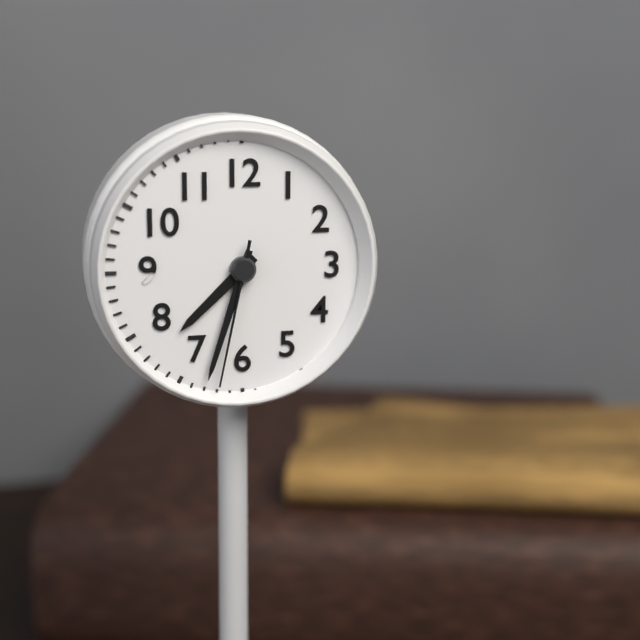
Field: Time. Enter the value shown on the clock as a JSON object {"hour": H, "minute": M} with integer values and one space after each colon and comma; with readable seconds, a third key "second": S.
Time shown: {"hour": 7, "minute": 33, "second": 32}
